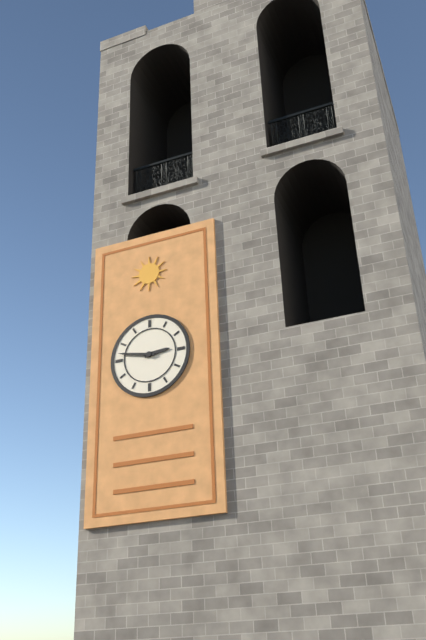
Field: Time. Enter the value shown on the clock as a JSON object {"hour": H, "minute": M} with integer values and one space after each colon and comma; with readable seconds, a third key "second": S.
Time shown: {"hour": 2, "minute": 47}
